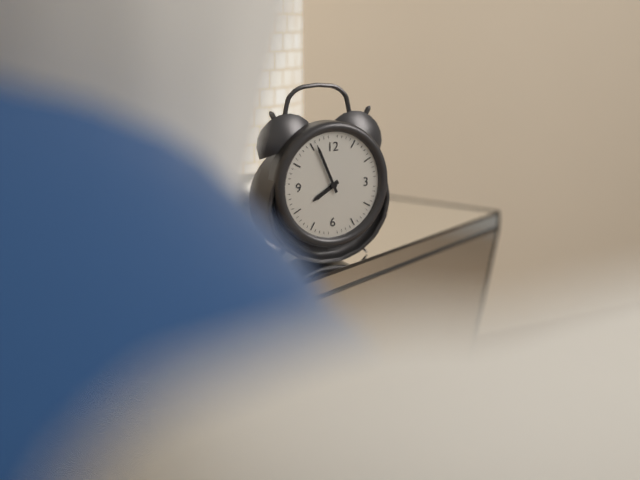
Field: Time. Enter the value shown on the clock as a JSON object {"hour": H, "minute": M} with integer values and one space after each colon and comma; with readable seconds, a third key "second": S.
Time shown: {"hour": 7, "minute": 56}
